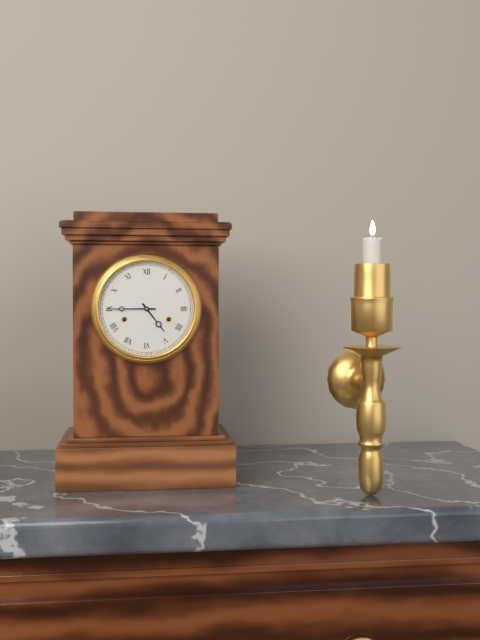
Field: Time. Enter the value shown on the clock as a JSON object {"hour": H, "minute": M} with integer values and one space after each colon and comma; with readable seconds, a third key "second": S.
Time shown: {"hour": 4, "minute": 45}
